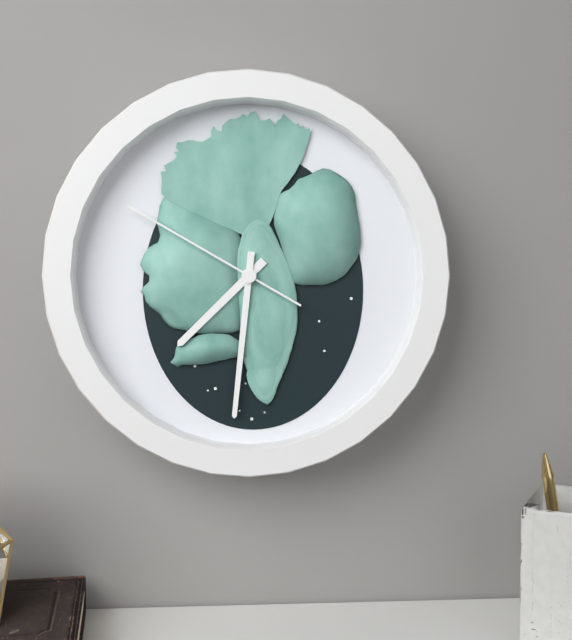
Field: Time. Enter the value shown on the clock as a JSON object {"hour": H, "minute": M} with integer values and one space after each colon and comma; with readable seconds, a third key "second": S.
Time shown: {"hour": 7, "minute": 31, "second": 50}
